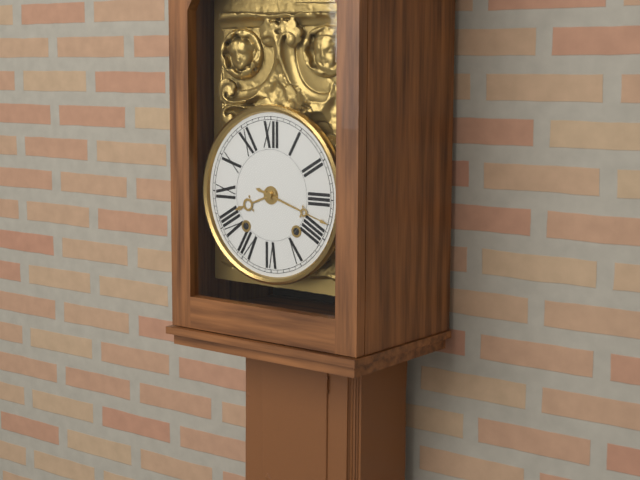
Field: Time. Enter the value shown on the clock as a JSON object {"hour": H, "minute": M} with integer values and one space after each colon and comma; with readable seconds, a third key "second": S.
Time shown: {"hour": 8, "minute": 18}
